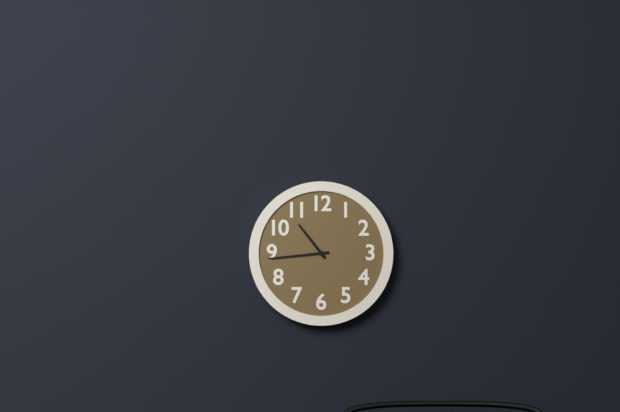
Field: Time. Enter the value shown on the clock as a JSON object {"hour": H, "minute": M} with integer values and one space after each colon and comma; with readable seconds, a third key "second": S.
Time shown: {"hour": 10, "minute": 44}
